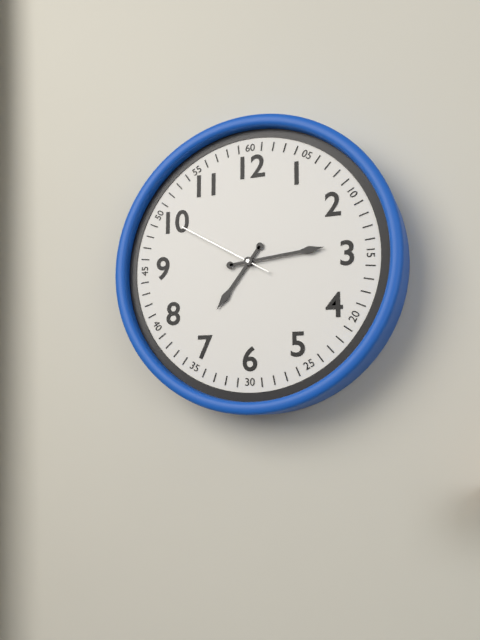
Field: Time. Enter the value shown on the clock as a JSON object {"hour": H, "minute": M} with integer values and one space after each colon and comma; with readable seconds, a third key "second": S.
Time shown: {"hour": 7, "minute": 14, "second": 50}
